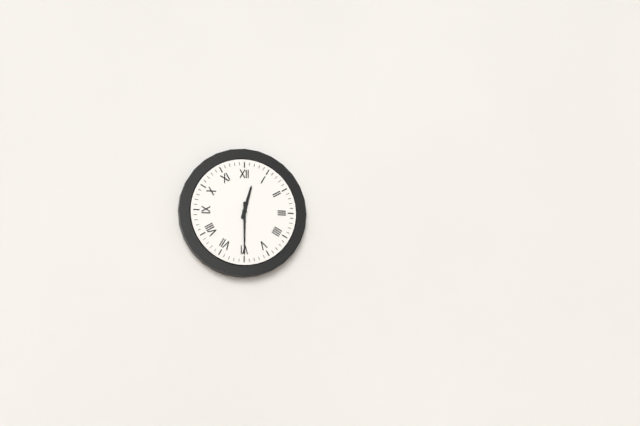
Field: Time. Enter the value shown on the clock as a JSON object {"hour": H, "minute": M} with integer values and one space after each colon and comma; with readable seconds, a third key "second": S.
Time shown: {"hour": 12, "minute": 30}
